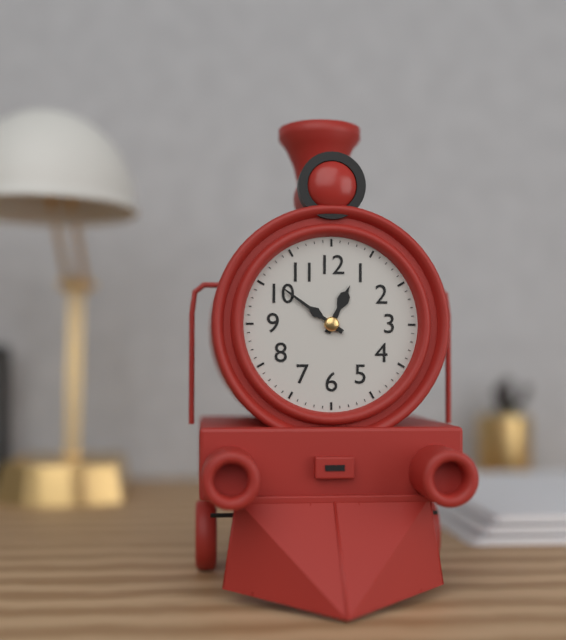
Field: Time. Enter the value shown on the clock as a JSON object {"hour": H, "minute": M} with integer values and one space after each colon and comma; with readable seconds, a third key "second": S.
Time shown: {"hour": 12, "minute": 51}
